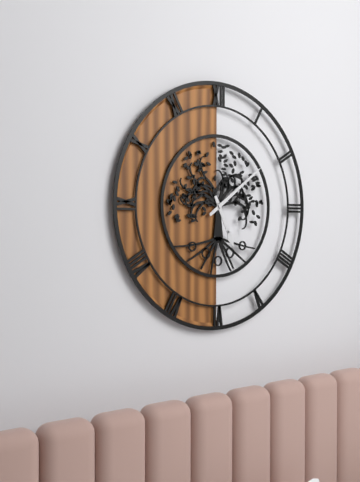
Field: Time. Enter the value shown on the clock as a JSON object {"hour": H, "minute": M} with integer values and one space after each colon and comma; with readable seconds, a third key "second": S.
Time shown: {"hour": 5, "minute": 9}
